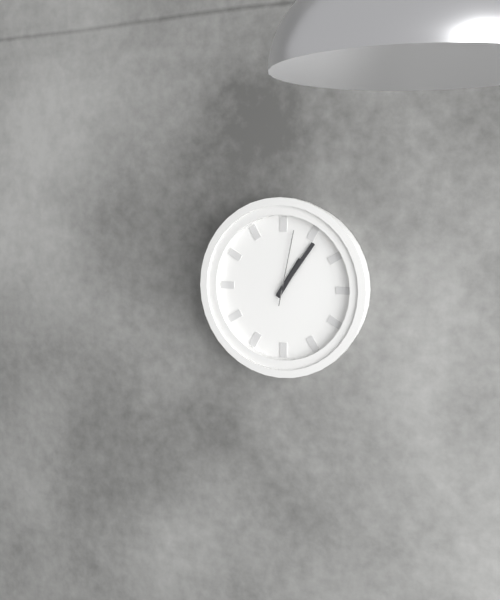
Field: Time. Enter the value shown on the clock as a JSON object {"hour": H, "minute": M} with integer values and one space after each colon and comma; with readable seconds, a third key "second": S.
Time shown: {"hour": 1, "minute": 6, "second": 2}
